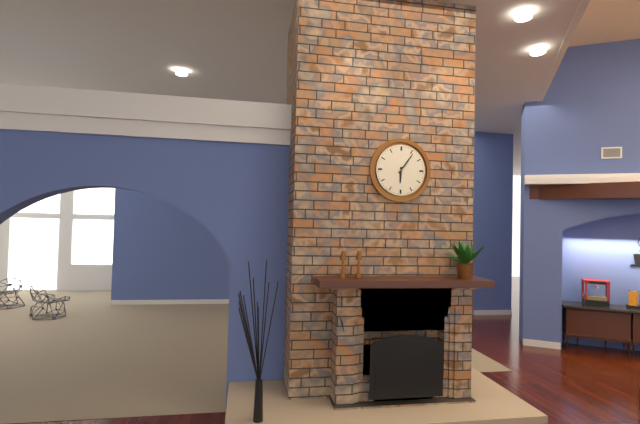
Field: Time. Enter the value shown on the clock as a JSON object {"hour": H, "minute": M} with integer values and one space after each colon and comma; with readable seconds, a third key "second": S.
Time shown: {"hour": 6, "minute": 6}
